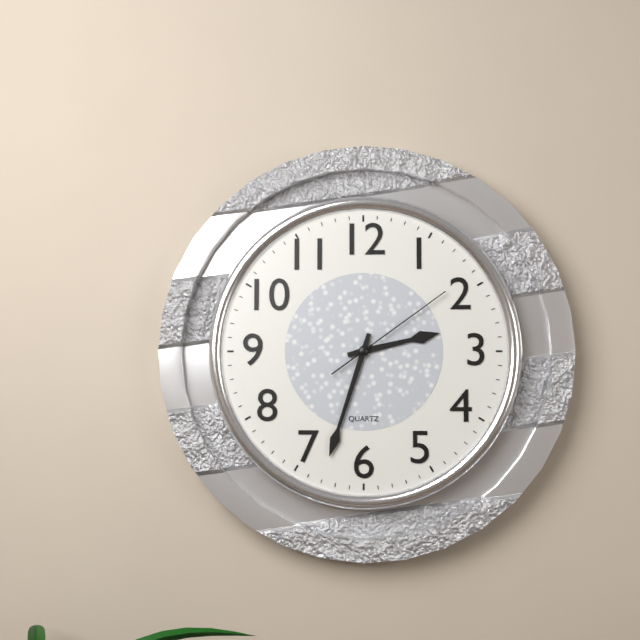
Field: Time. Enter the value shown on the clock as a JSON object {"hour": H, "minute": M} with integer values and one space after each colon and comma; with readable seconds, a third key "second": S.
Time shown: {"hour": 2, "minute": 33, "second": 9}
